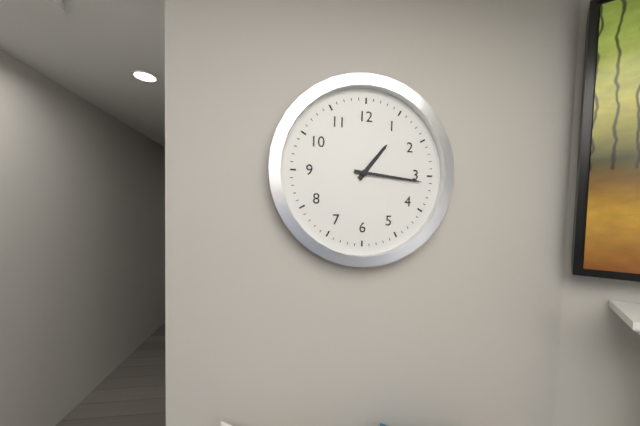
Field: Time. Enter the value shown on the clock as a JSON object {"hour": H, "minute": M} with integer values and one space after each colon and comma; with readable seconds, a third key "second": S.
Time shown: {"hour": 1, "minute": 16}
